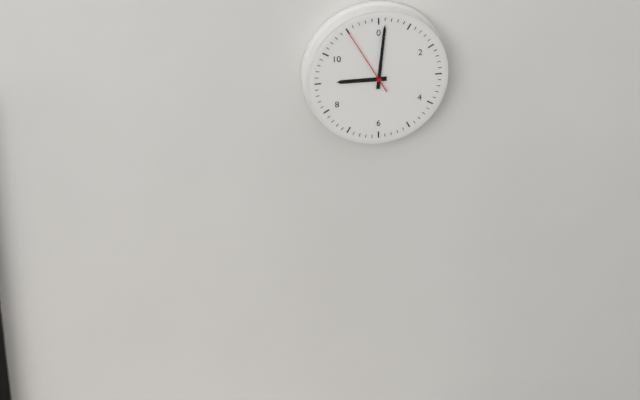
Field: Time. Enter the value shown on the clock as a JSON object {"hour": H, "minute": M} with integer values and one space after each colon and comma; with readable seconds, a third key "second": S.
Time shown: {"hour": 9, "minute": 1, "second": 55}
